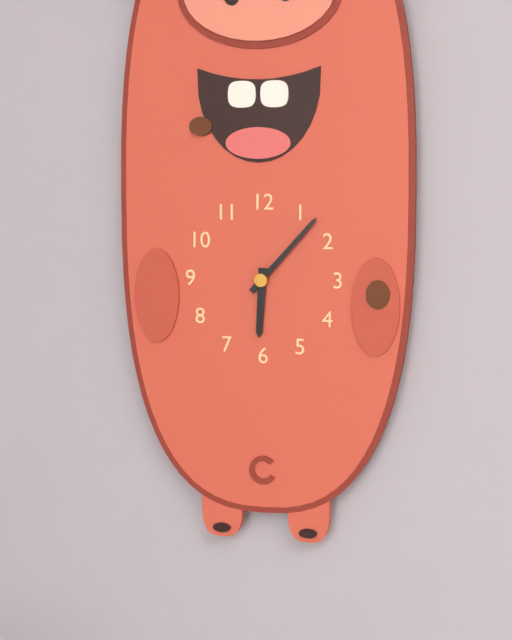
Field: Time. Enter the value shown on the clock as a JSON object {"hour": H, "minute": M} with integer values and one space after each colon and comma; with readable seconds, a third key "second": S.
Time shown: {"hour": 6, "minute": 7}
